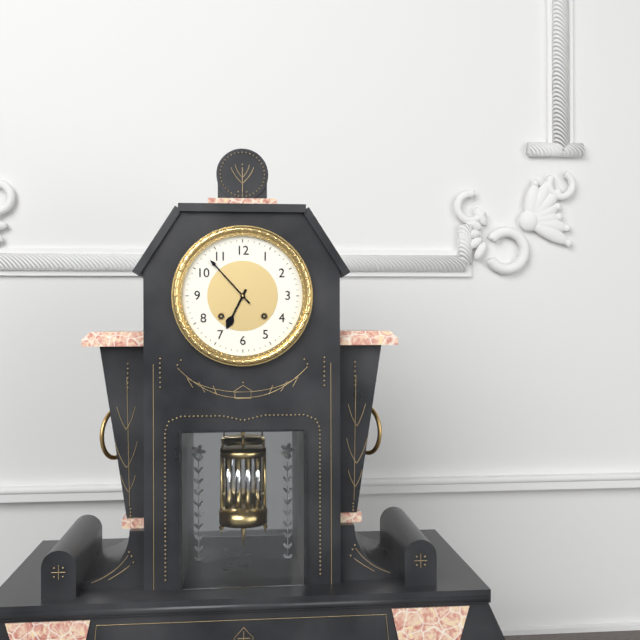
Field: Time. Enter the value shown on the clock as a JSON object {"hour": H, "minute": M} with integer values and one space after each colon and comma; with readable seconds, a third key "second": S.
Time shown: {"hour": 6, "minute": 53}
